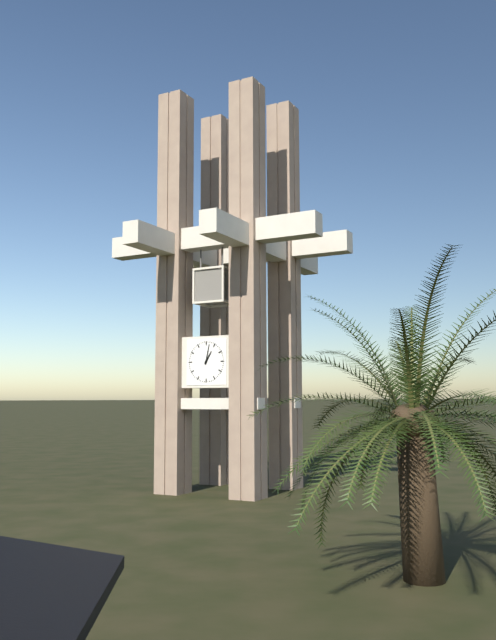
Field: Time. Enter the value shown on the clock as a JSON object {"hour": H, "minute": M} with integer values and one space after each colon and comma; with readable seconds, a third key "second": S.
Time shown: {"hour": 1, "minute": 2}
